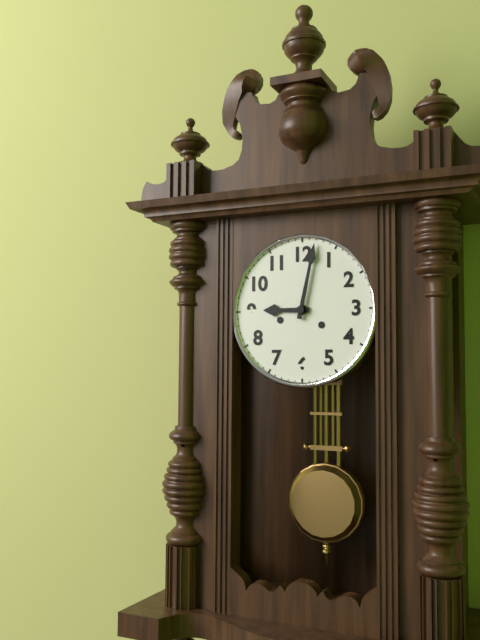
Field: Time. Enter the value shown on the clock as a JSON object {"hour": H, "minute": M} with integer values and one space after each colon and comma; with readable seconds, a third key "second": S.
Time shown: {"hour": 9, "minute": 2}
